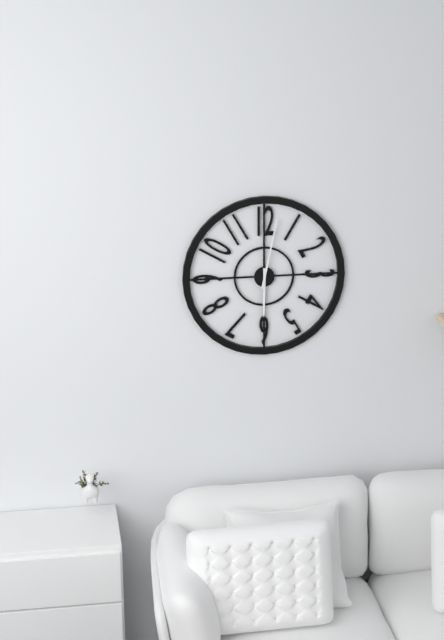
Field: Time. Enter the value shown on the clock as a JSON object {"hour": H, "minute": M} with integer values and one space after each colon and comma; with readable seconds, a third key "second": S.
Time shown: {"hour": 6, "minute": 2}
